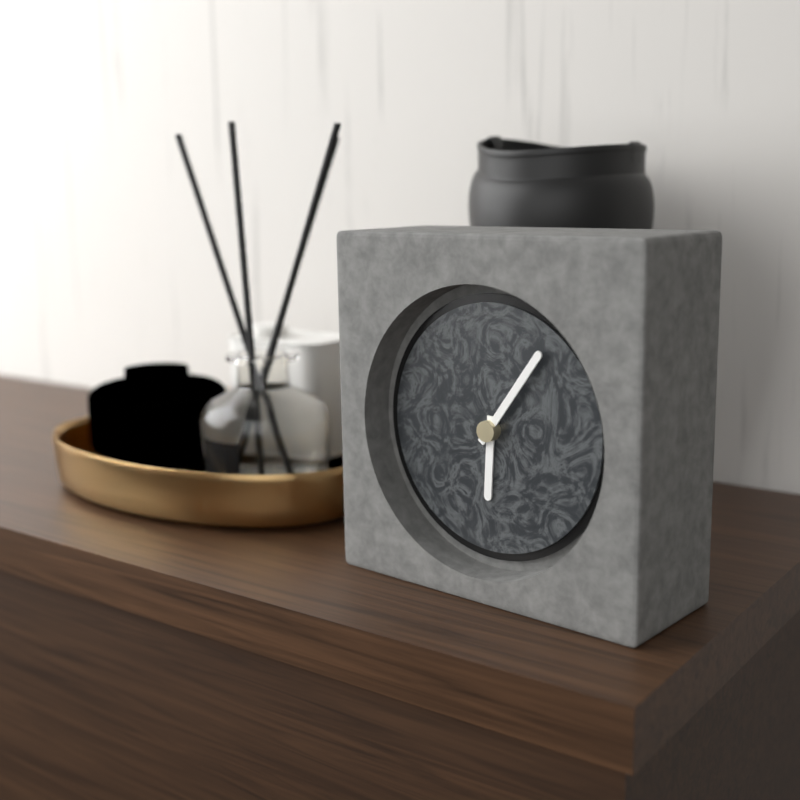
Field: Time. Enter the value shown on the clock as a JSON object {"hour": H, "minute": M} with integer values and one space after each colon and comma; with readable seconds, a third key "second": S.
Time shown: {"hour": 6, "minute": 6}
